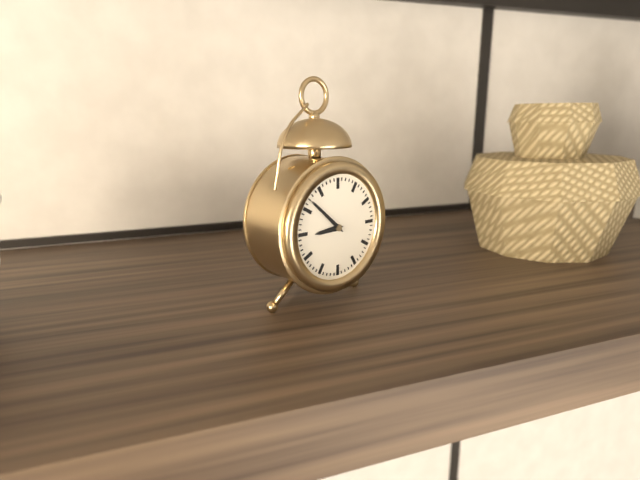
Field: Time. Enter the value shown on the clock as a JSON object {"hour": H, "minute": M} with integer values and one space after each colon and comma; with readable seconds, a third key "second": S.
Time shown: {"hour": 8, "minute": 52}
